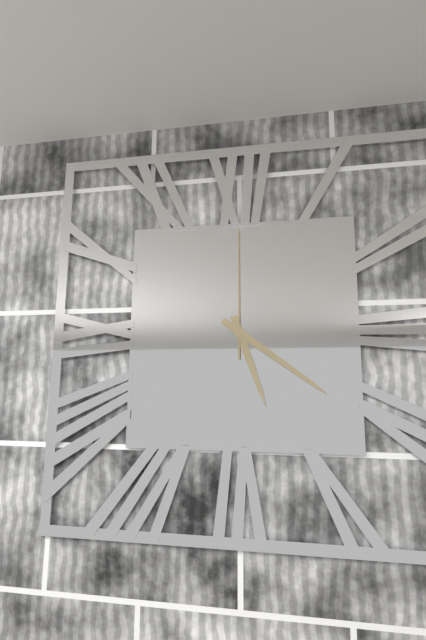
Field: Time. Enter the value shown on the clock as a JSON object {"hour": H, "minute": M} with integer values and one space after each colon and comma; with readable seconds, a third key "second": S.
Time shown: {"hour": 5, "minute": 21, "second": 0}
